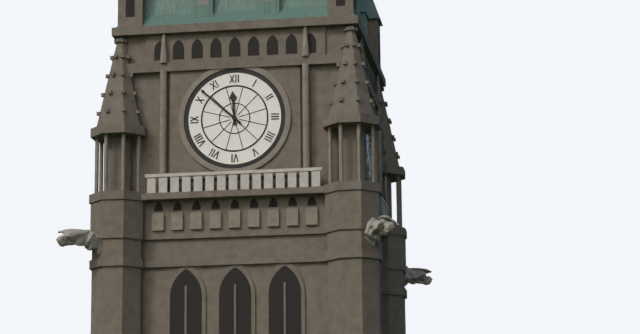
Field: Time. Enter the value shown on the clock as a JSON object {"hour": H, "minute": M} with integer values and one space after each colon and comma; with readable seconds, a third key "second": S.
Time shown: {"hour": 11, "minute": 52}
